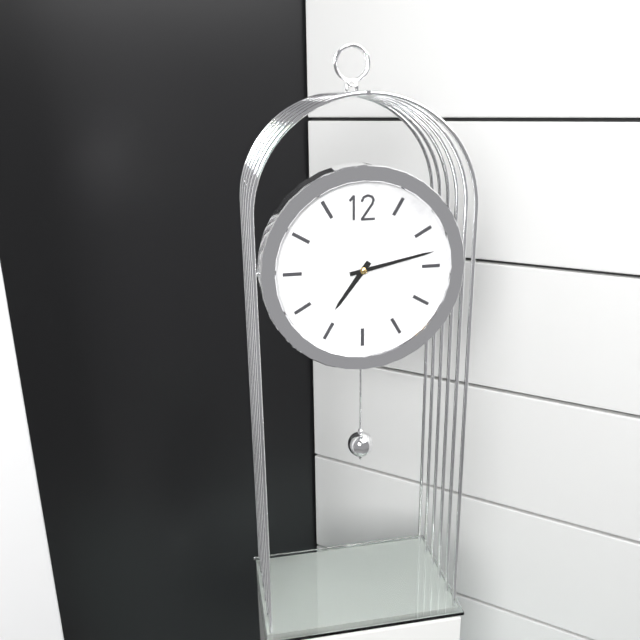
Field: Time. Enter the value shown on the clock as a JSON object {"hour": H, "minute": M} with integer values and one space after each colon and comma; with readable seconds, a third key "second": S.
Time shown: {"hour": 7, "minute": 13}
